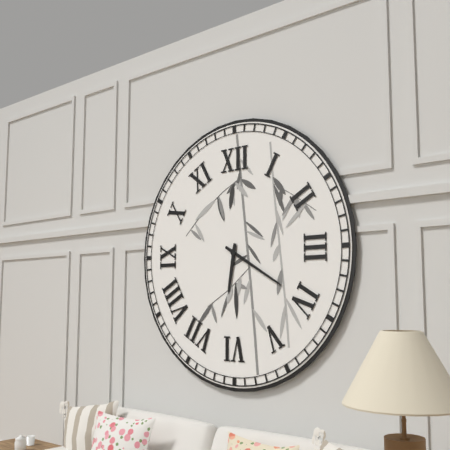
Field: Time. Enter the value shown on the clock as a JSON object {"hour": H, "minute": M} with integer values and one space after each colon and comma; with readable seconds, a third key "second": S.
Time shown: {"hour": 6, "minute": 20}
